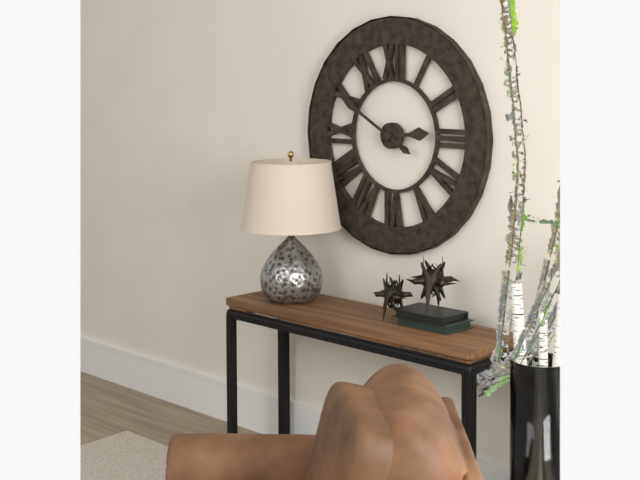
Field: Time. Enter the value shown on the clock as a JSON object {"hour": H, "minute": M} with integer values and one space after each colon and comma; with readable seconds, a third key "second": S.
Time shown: {"hour": 2, "minute": 50}
